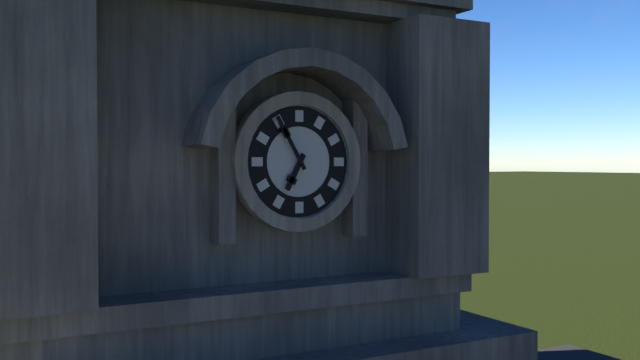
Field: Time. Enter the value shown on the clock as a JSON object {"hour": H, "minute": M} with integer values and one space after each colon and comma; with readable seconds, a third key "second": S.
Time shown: {"hour": 6, "minute": 55}
